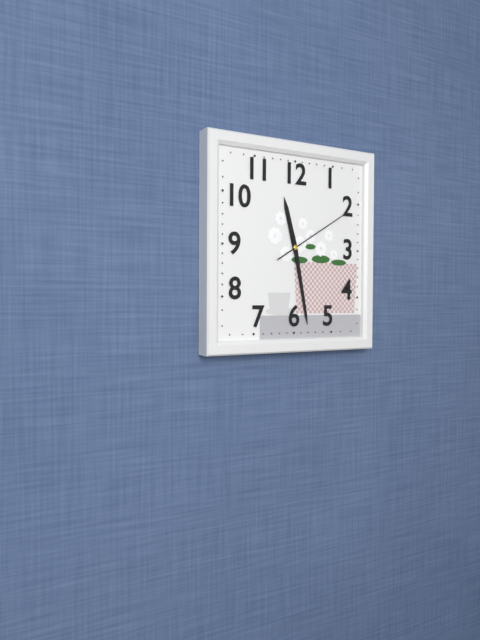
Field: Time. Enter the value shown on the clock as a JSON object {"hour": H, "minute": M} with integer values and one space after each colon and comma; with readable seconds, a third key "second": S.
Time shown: {"hour": 11, "minute": 28, "second": 10}
